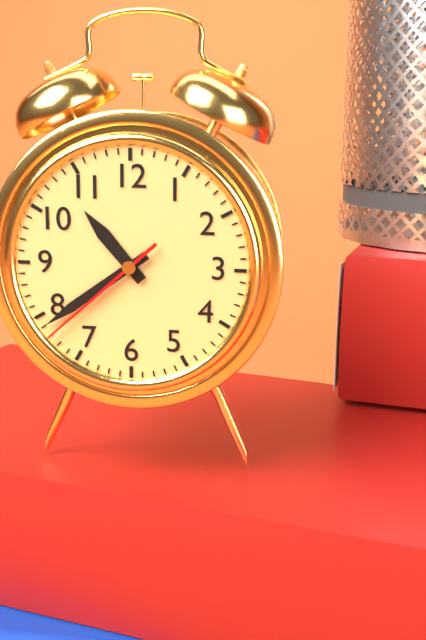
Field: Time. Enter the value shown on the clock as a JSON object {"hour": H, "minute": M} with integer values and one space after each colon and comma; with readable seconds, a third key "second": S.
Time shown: {"hour": 10, "minute": 39, "second": 38}
